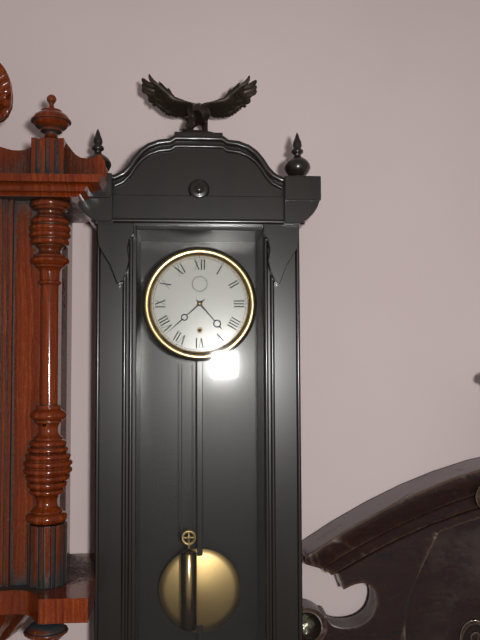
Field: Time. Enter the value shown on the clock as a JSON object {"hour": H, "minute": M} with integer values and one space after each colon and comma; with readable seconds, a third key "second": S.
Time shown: {"hour": 4, "minute": 38}
